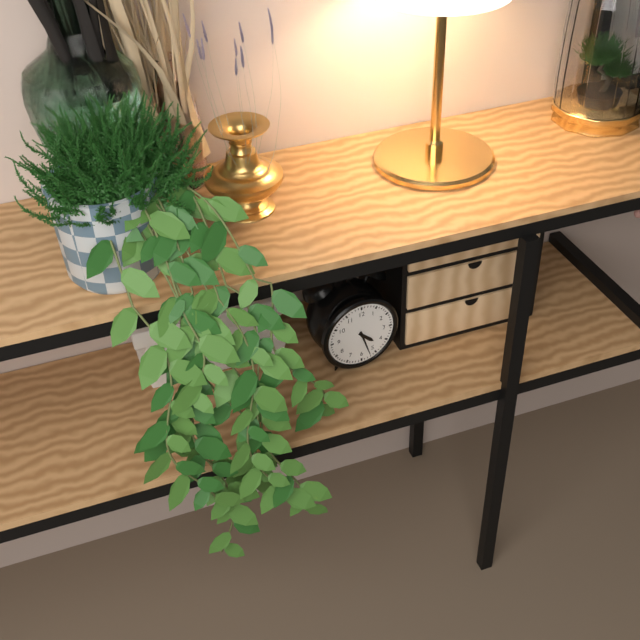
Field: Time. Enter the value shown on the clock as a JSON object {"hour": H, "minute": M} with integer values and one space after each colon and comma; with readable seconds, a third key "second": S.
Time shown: {"hour": 4, "minute": 27}
